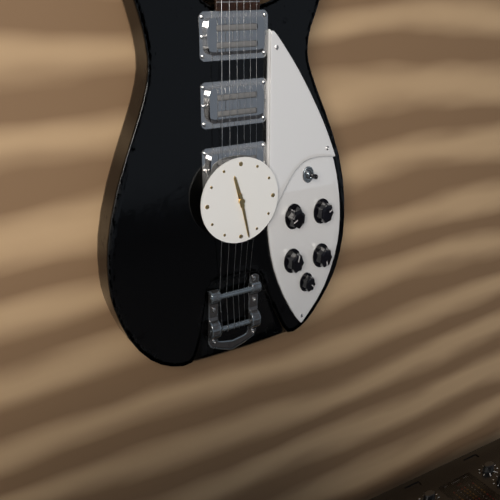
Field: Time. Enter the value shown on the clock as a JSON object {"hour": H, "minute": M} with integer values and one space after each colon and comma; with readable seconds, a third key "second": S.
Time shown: {"hour": 11, "minute": 28}
